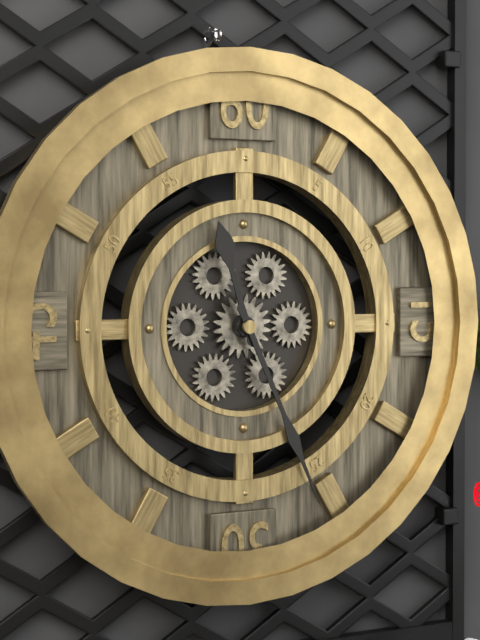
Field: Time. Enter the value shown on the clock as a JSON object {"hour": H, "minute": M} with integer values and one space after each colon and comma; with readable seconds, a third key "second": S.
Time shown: {"hour": 11, "minute": 26}
